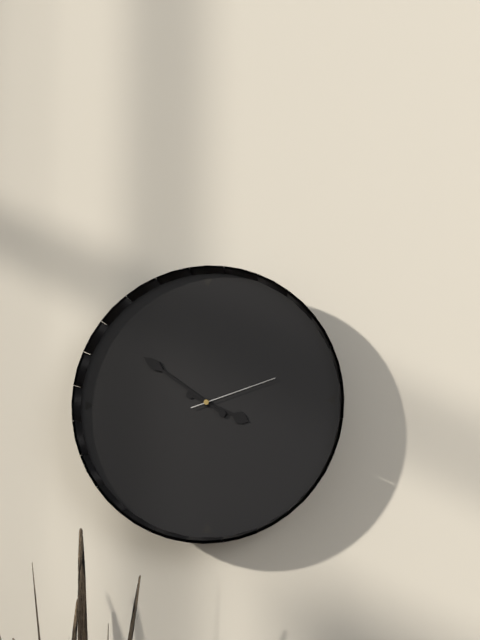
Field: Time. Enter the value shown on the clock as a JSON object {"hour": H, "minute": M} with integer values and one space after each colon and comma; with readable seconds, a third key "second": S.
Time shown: {"hour": 3, "minute": 51, "second": 12}
